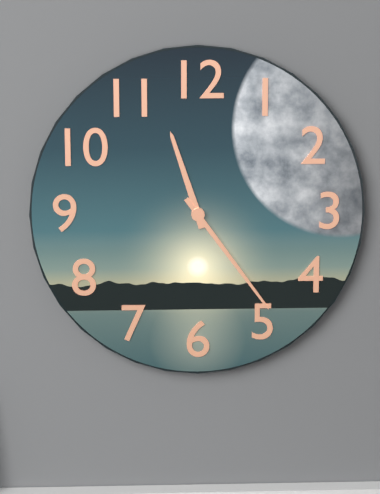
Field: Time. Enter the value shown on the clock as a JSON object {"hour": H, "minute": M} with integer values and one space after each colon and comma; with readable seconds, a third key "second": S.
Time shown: {"hour": 11, "minute": 24}
